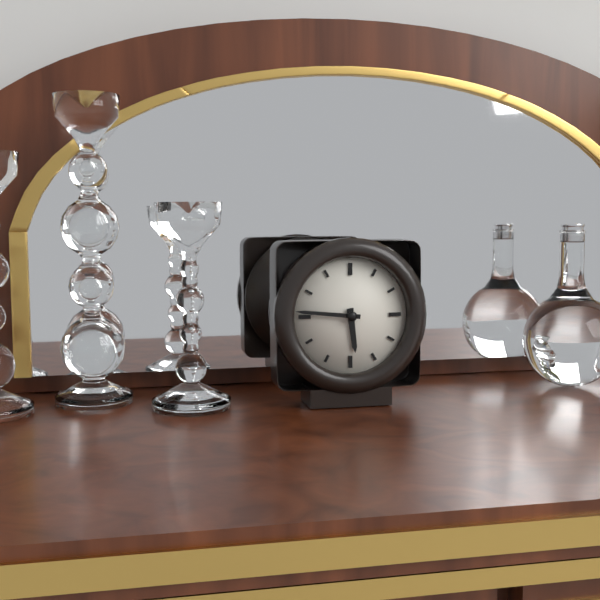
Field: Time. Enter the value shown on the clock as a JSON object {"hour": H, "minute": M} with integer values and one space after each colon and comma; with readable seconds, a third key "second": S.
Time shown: {"hour": 5, "minute": 46}
